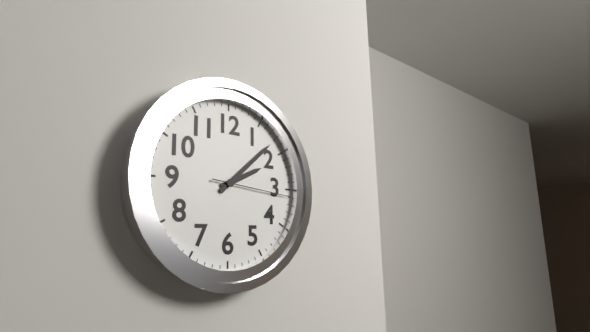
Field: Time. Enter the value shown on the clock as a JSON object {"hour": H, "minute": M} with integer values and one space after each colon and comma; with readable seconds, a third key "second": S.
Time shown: {"hour": 2, "minute": 8, "second": 16}
